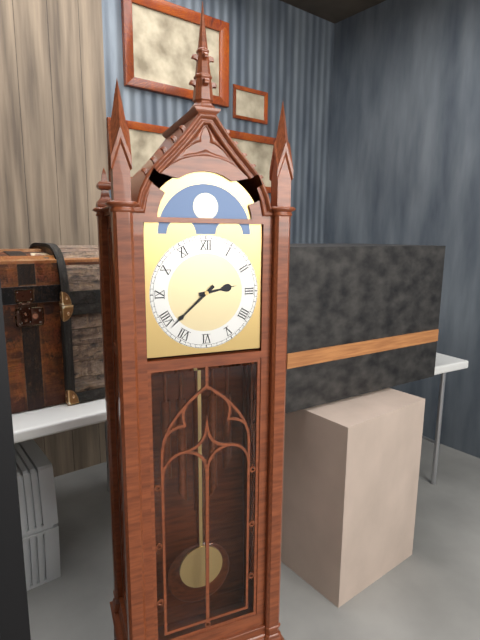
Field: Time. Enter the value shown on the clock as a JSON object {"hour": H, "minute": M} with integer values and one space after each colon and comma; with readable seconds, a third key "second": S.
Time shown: {"hour": 2, "minute": 38}
